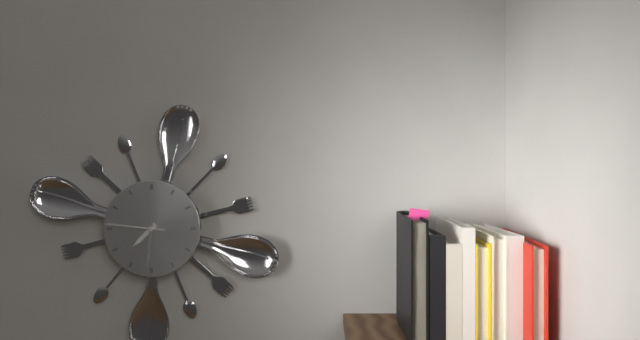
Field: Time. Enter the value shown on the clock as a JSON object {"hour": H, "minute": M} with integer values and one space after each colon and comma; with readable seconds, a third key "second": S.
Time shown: {"hour": 7, "minute": 31, "second": 46}
